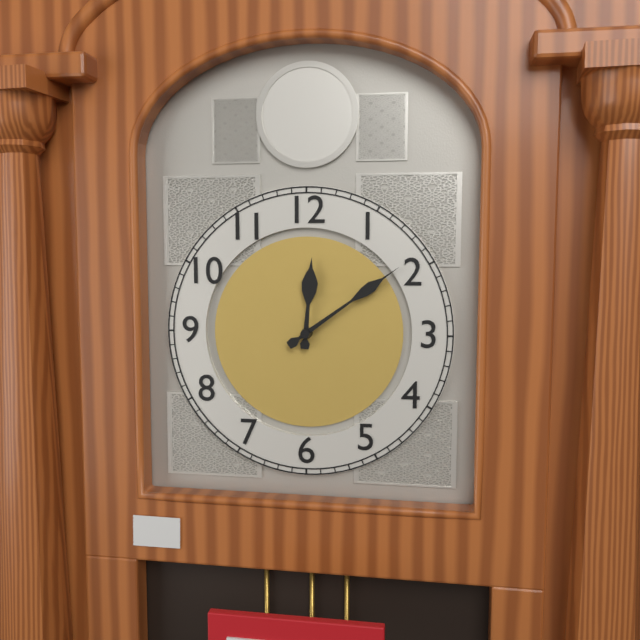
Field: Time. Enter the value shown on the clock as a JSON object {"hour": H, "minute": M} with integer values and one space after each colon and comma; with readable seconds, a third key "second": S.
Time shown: {"hour": 12, "minute": 9}
